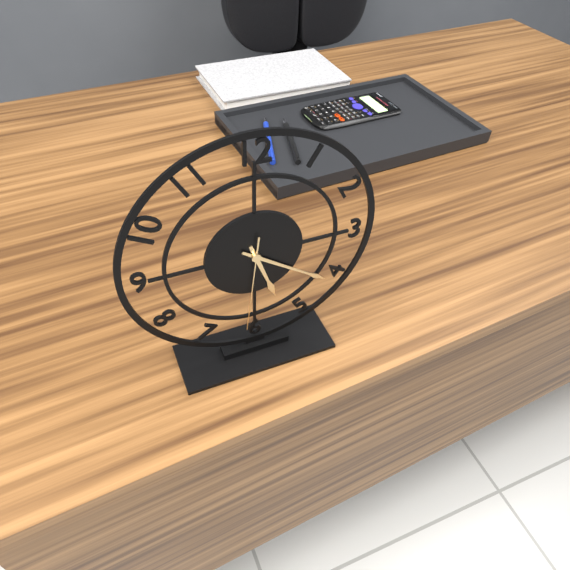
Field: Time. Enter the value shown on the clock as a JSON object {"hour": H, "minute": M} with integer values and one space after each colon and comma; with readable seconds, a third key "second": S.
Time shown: {"hour": 5, "minute": 21, "second": 31}
